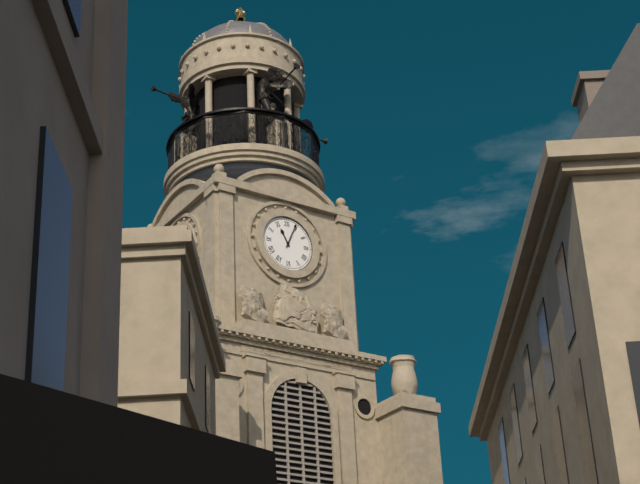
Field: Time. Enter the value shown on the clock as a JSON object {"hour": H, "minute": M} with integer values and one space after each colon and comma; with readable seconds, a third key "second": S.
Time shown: {"hour": 11, "minute": 4}
